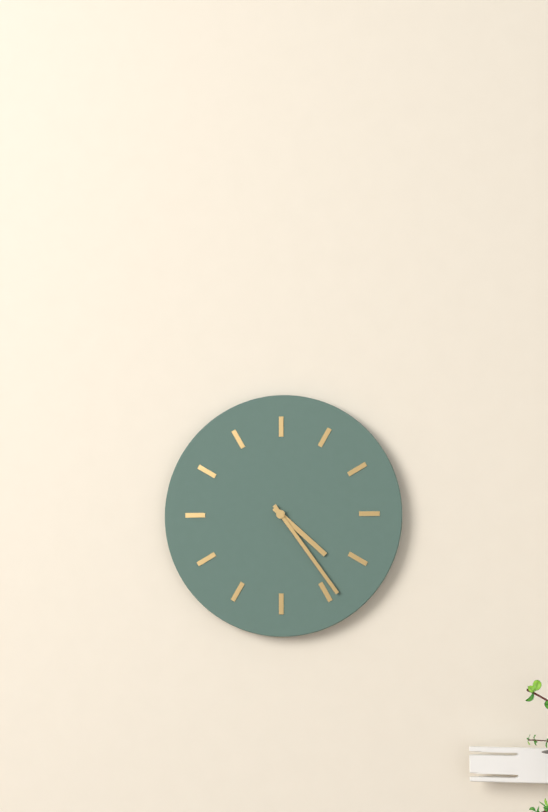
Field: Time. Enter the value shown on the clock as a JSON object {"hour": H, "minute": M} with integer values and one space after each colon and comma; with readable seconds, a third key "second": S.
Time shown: {"hour": 4, "minute": 24}
